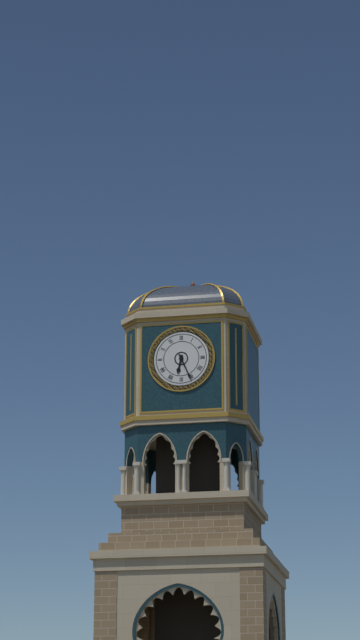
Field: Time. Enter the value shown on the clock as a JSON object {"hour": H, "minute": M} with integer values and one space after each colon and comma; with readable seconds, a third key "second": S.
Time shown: {"hour": 6, "minute": 26}
